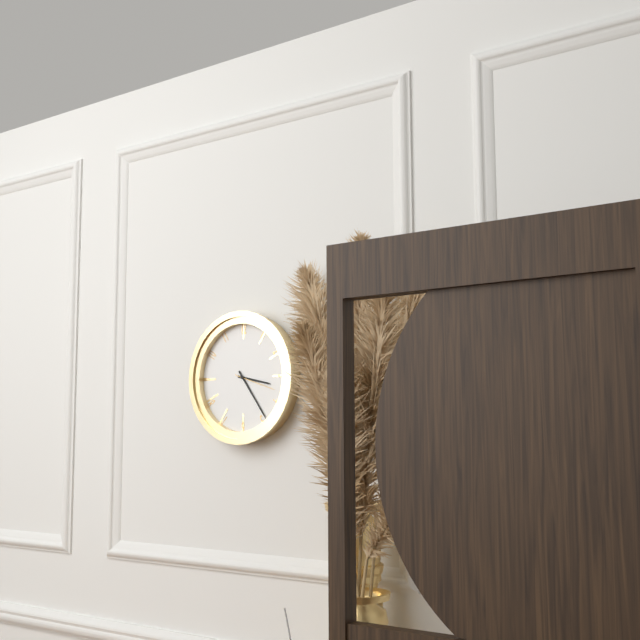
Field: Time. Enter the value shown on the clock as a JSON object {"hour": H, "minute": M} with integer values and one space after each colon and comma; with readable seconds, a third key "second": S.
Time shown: {"hour": 3, "minute": 24}
